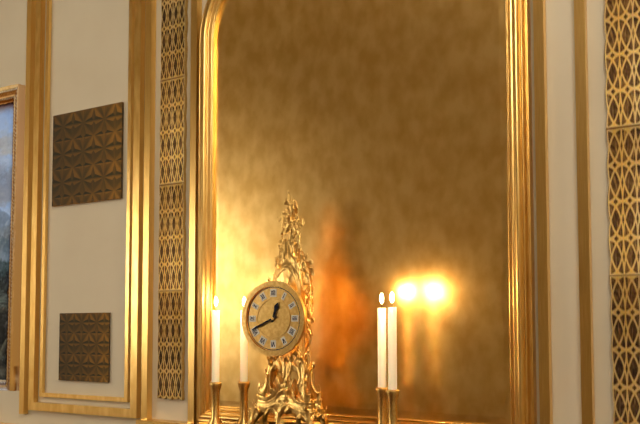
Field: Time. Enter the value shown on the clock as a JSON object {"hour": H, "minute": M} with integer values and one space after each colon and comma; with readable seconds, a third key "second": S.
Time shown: {"hour": 12, "minute": 41}
